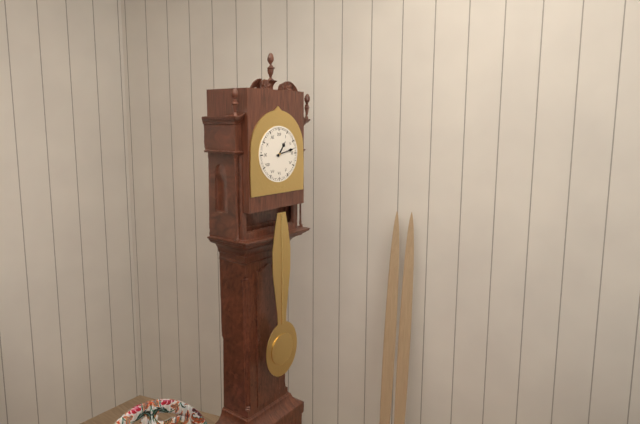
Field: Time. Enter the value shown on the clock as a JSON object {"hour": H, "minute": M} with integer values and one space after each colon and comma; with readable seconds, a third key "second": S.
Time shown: {"hour": 1, "minute": 13}
